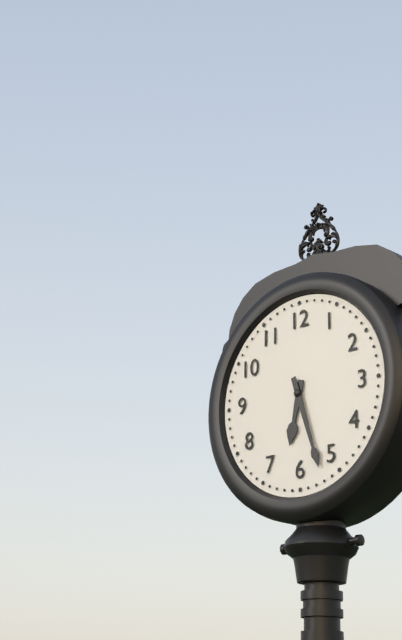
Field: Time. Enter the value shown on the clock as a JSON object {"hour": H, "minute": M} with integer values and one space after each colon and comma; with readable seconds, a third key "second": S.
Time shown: {"hour": 6, "minute": 27}
